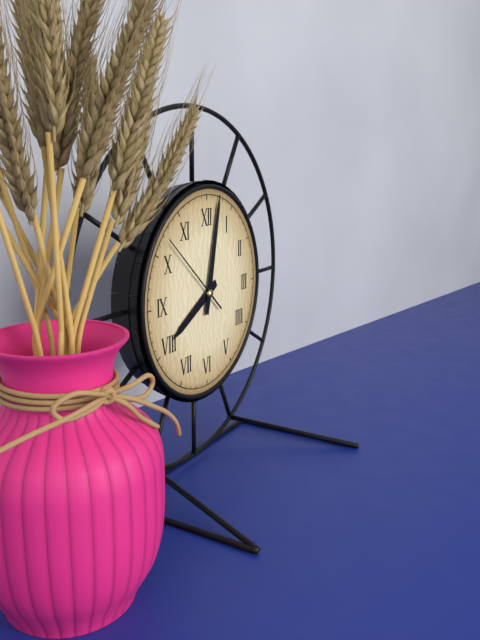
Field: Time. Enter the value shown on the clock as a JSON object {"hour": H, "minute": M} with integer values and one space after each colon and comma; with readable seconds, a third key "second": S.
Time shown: {"hour": 8, "minute": 2, "second": 52}
